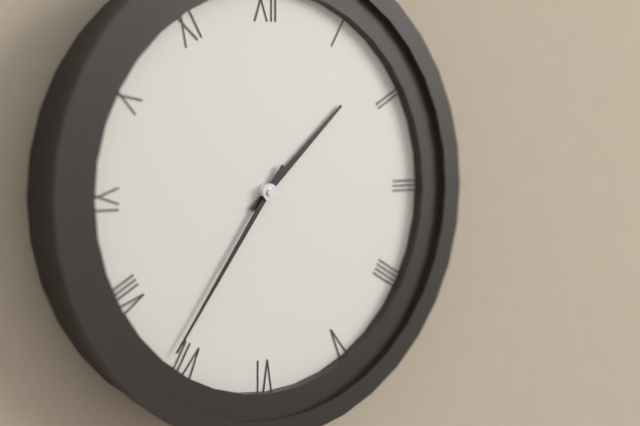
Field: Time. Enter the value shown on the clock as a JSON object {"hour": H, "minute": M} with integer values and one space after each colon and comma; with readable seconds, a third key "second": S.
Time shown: {"hour": 1, "minute": 36}
